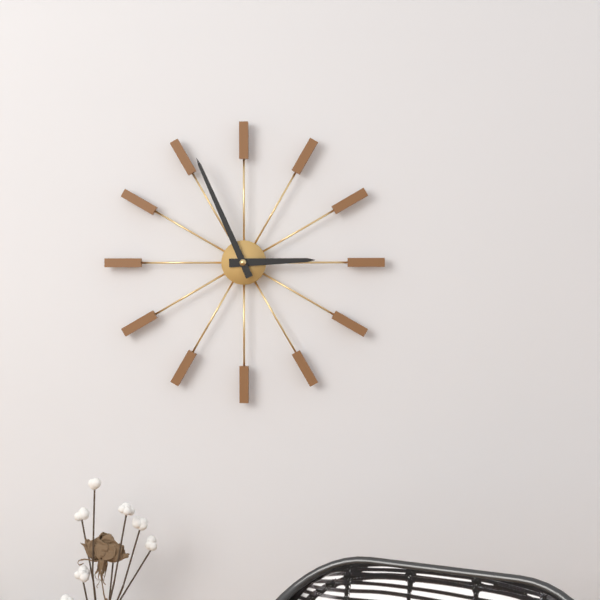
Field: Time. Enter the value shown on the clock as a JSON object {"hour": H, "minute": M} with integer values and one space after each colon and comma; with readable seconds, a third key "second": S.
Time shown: {"hour": 2, "minute": 56}
